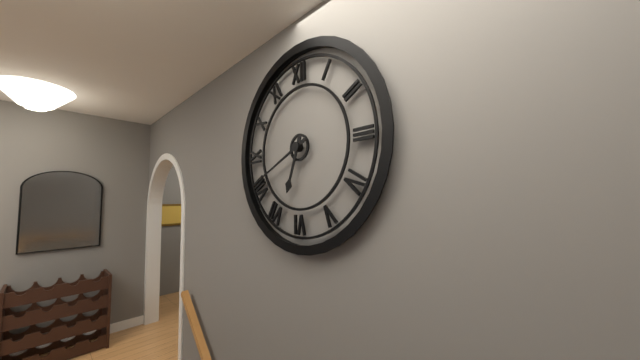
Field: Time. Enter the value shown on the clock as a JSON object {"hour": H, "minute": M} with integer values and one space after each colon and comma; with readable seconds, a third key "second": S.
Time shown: {"hour": 6, "minute": 41}
